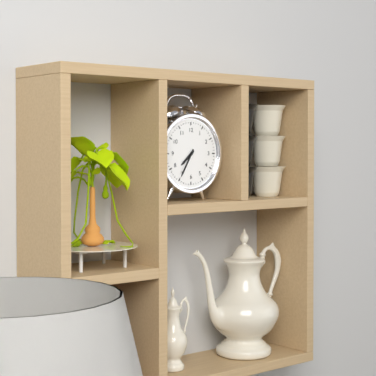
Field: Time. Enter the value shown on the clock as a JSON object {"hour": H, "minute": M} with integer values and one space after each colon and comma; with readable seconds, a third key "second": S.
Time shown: {"hour": 7, "minute": 35}
